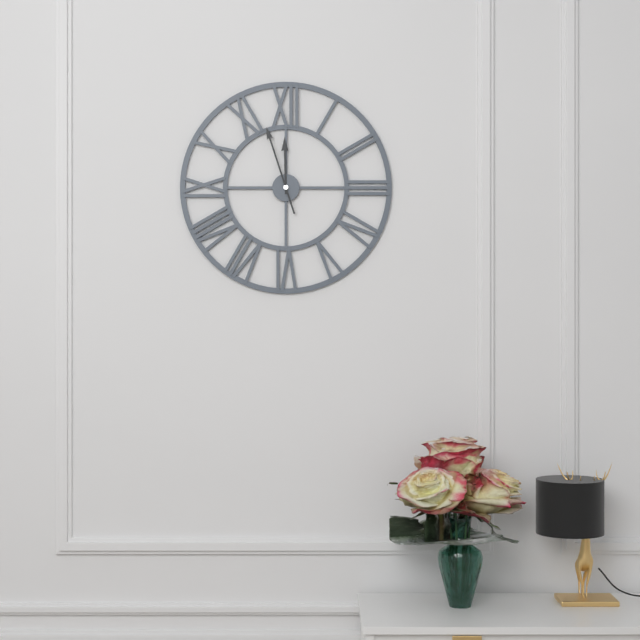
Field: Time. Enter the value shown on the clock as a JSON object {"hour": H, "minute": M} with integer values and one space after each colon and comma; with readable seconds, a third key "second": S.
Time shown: {"hour": 11, "minute": 57}
